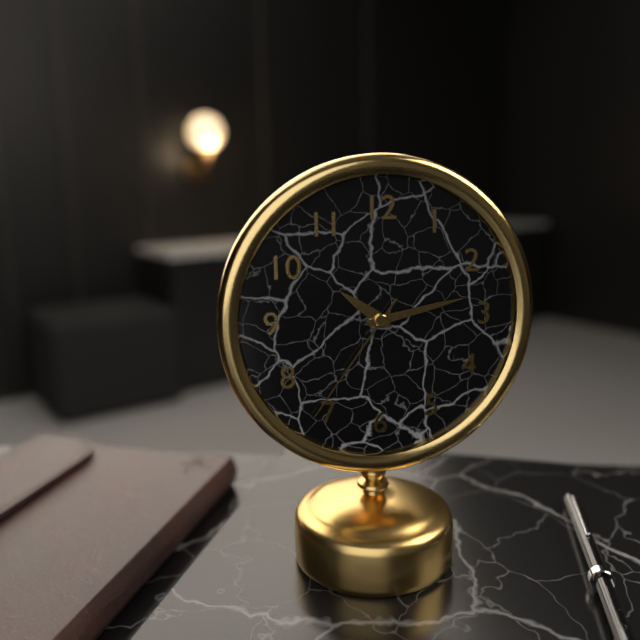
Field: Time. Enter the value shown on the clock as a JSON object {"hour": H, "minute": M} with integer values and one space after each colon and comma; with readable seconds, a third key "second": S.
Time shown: {"hour": 10, "minute": 13, "second": 36}
